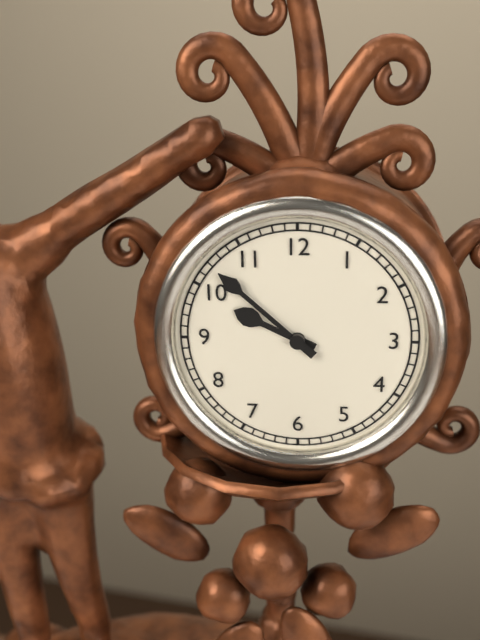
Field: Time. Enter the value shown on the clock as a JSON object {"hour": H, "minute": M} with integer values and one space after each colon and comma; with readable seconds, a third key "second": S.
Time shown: {"hour": 9, "minute": 52}
